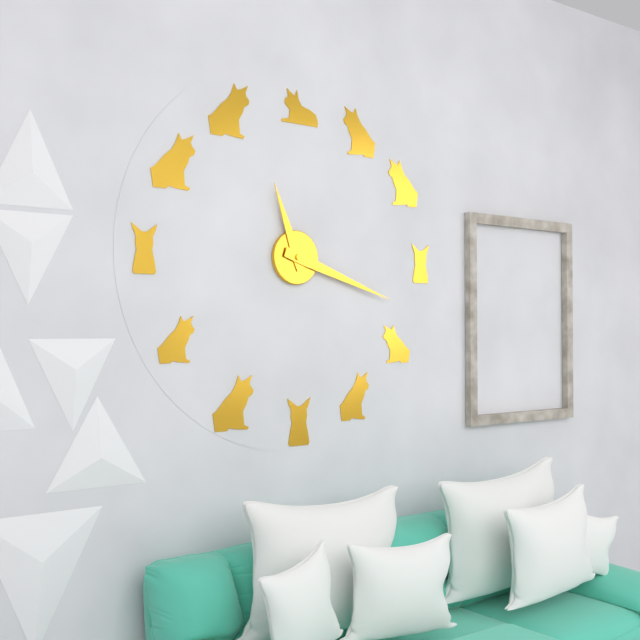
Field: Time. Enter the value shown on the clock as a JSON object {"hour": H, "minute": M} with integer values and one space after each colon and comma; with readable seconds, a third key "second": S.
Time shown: {"hour": 11, "minute": 18}
